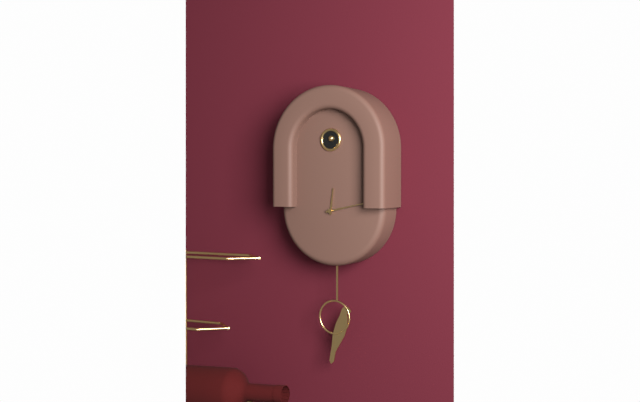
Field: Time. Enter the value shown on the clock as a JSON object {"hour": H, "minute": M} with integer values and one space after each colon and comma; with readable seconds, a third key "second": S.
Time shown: {"hour": 12, "minute": 13}
